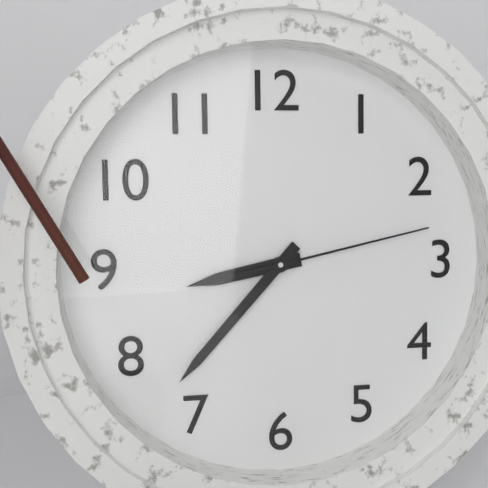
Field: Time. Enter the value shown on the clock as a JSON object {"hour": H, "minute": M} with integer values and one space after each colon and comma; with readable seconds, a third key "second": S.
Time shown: {"hour": 8, "minute": 37, "second": 13}
